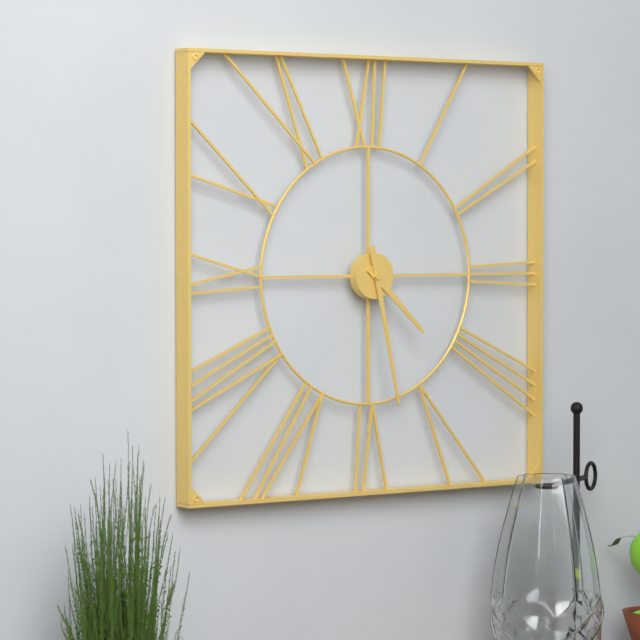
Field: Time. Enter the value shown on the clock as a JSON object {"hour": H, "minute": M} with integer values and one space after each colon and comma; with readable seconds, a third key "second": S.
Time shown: {"hour": 4, "minute": 28}
